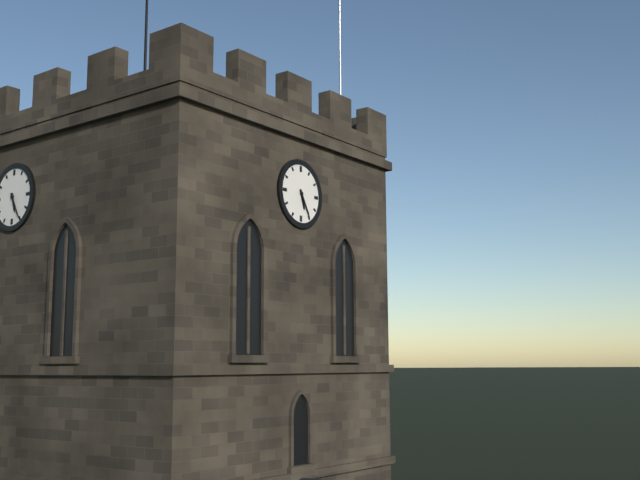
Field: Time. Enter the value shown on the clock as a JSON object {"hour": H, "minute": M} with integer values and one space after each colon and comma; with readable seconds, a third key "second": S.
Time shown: {"hour": 5, "minute": 25}
